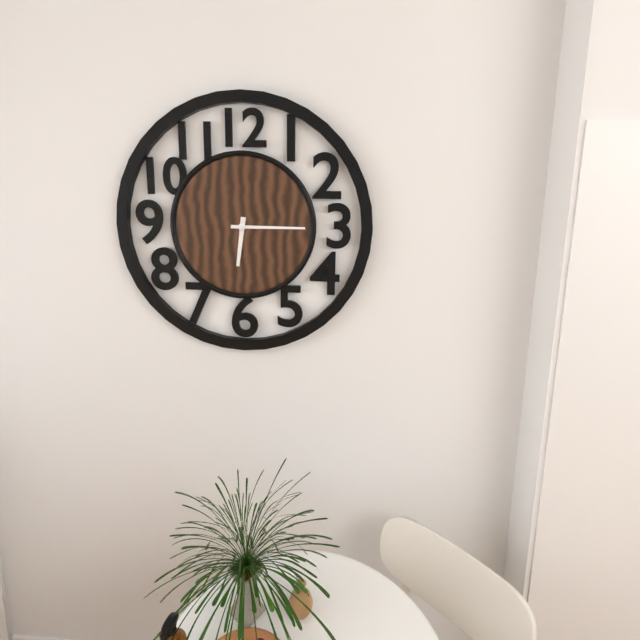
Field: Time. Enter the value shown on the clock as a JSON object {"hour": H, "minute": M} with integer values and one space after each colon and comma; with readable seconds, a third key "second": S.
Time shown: {"hour": 6, "minute": 15}
